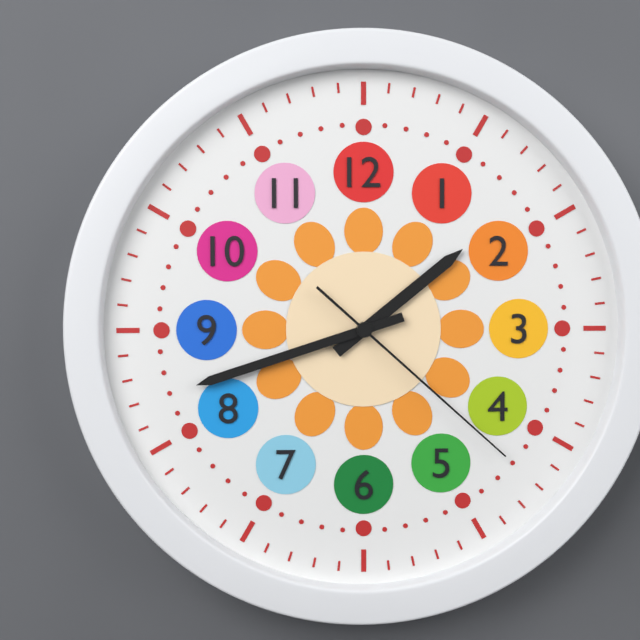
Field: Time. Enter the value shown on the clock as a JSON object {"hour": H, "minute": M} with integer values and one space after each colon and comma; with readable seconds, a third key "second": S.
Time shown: {"hour": 1, "minute": 42, "second": 22}
